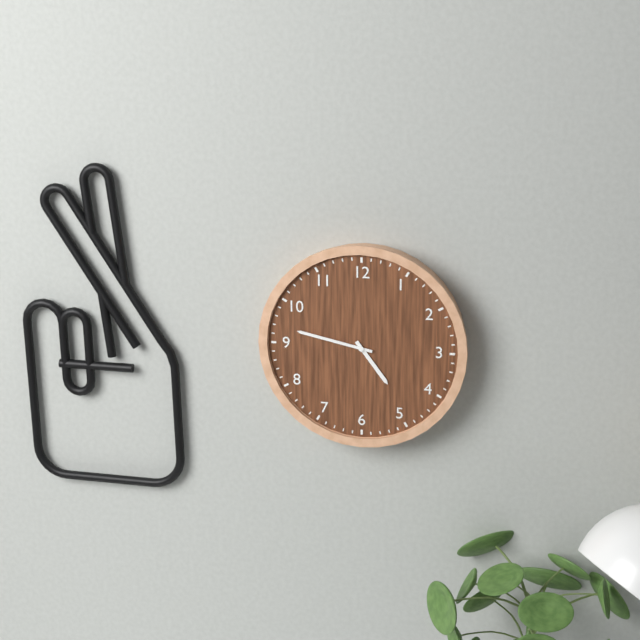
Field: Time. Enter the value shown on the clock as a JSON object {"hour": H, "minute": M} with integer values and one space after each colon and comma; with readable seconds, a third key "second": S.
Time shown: {"hour": 4, "minute": 47}
